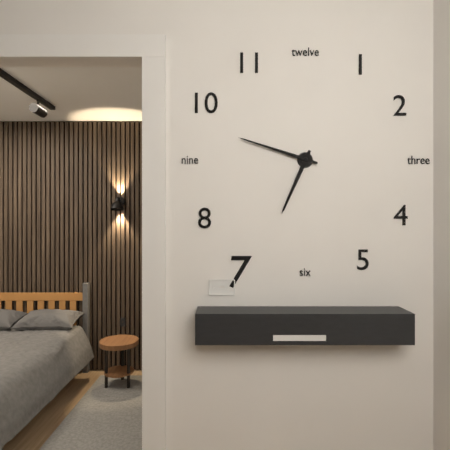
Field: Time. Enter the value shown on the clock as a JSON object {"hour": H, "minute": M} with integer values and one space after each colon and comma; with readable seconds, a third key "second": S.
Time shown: {"hour": 6, "minute": 48}
